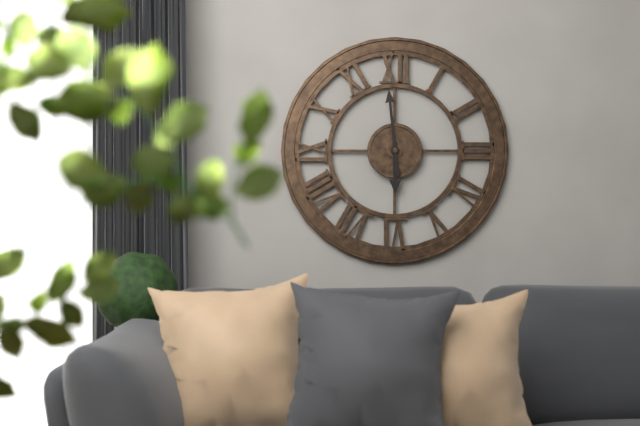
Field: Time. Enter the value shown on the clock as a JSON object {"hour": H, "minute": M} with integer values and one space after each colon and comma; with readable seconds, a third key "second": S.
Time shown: {"hour": 5, "minute": 59}
